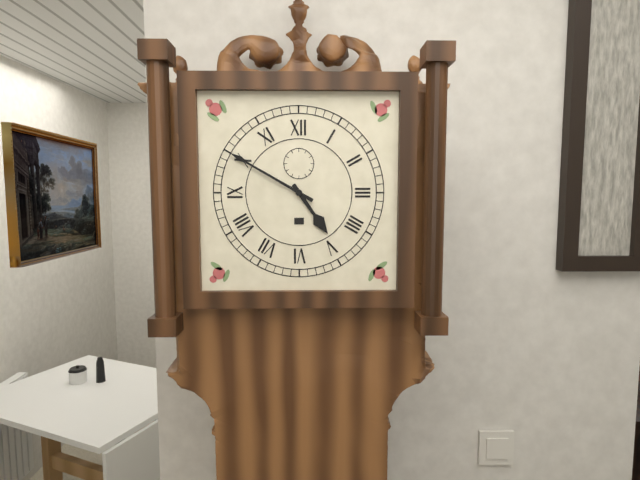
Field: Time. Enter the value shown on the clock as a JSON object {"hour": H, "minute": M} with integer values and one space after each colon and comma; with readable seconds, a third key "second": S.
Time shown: {"hour": 4, "minute": 50}
